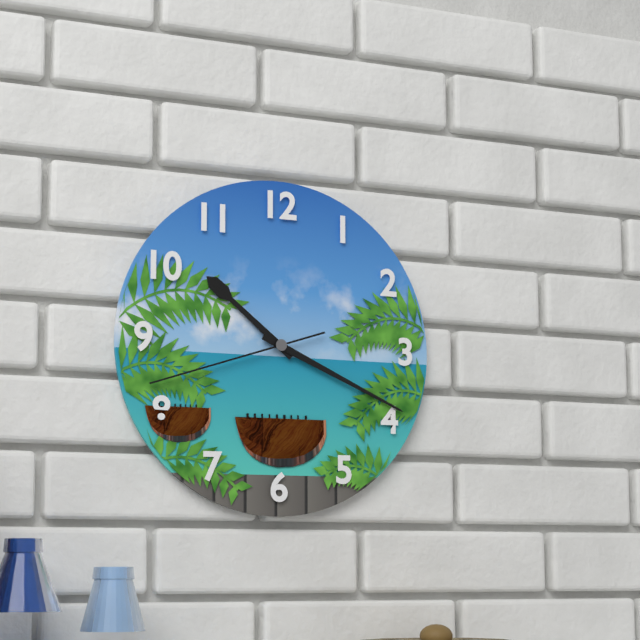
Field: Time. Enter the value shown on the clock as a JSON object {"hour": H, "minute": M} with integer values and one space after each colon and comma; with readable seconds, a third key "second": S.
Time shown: {"hour": 10, "minute": 19, "second": 42}
